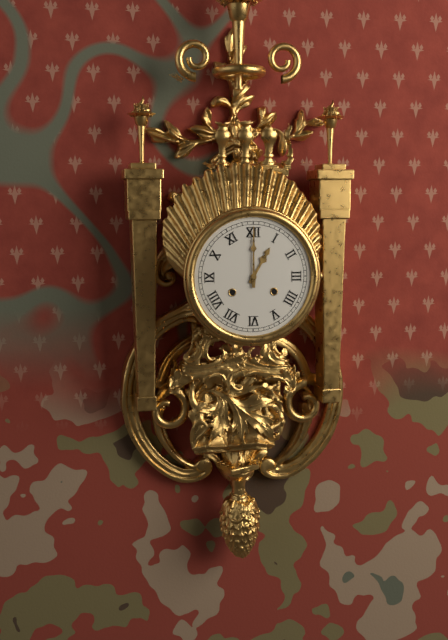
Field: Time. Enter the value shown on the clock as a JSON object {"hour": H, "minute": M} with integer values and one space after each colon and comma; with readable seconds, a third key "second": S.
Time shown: {"hour": 1, "minute": 0}
